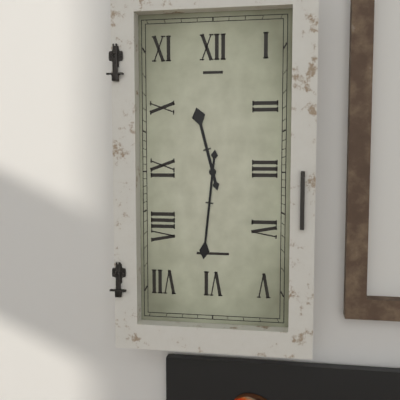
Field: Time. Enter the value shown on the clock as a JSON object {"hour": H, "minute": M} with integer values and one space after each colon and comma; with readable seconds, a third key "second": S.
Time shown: {"hour": 11, "minute": 31}
